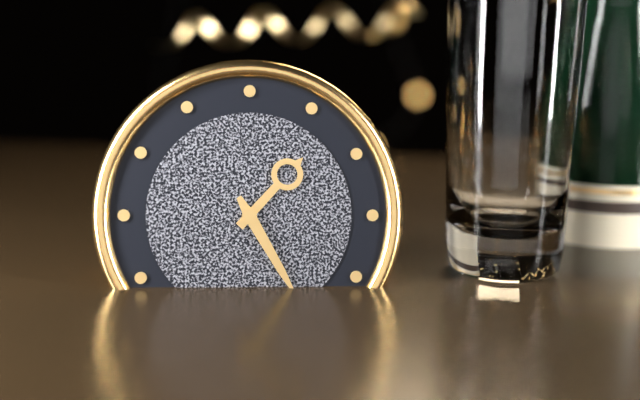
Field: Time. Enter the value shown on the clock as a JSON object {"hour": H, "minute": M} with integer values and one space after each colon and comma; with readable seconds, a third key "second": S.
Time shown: {"hour": 1, "minute": 25}
